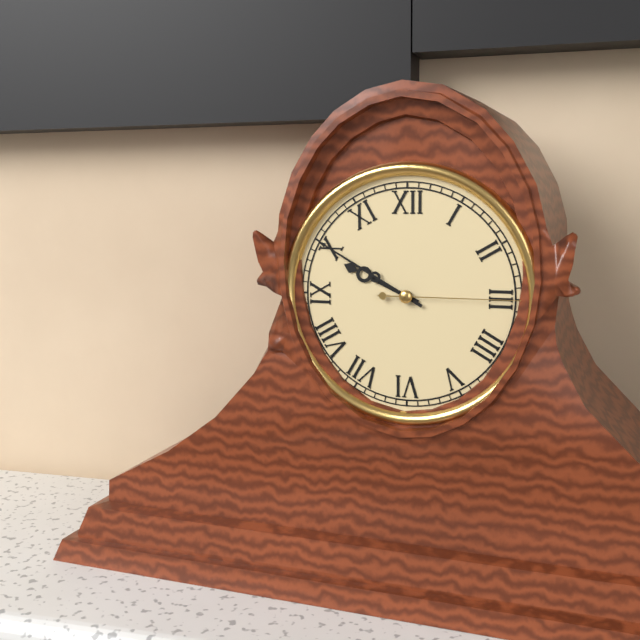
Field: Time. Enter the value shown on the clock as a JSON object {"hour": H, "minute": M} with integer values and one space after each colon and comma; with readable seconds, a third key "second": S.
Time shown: {"hour": 9, "minute": 50, "second": 15}
